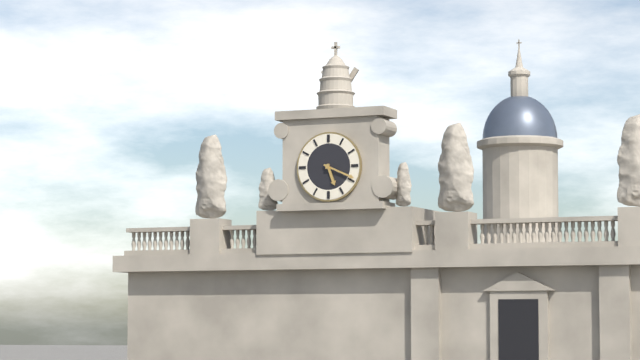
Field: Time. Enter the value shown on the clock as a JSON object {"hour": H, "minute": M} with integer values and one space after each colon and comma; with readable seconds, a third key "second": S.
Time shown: {"hour": 5, "minute": 19}
